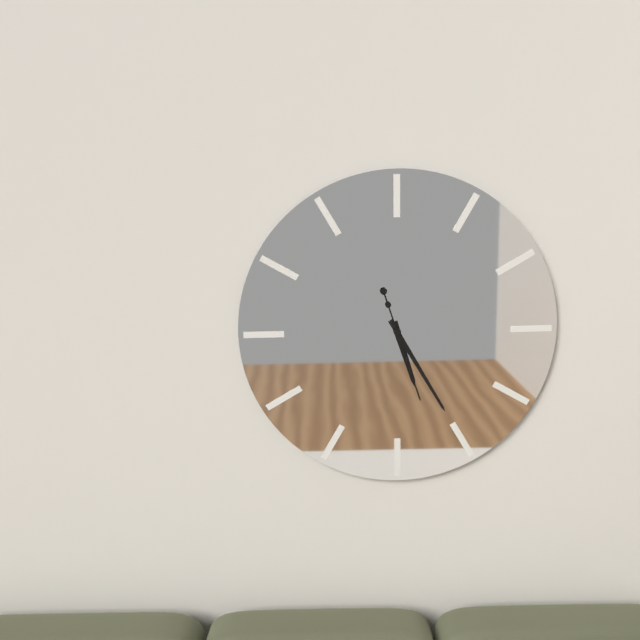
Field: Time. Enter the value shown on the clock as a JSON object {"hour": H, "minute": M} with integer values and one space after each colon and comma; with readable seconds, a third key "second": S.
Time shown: {"hour": 5, "minute": 25, "second": 27}
